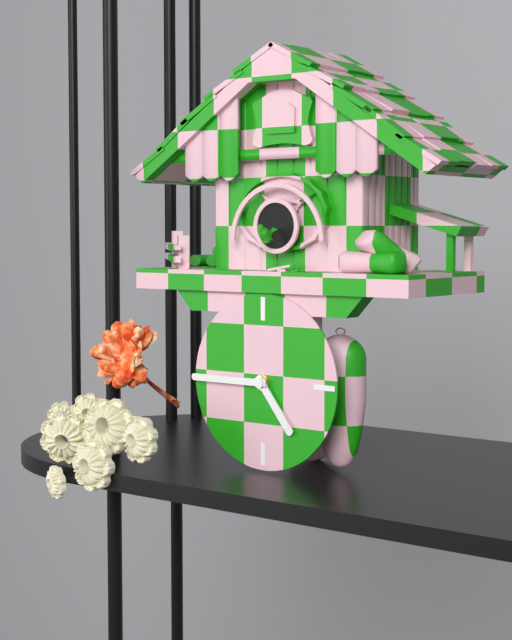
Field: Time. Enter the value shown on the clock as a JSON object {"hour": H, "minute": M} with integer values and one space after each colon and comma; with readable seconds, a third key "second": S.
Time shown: {"hour": 4, "minute": 45}
